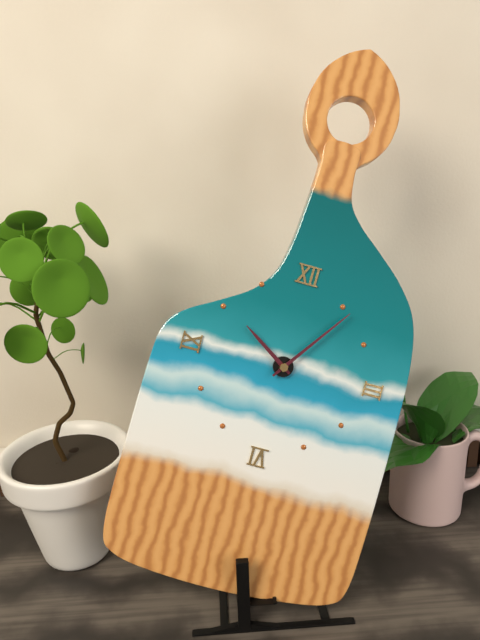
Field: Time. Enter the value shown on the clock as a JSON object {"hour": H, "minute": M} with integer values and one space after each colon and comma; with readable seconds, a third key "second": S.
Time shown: {"hour": 10, "minute": 6}
